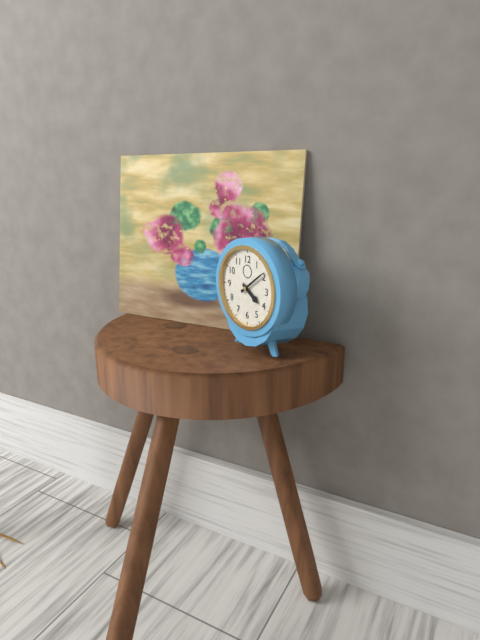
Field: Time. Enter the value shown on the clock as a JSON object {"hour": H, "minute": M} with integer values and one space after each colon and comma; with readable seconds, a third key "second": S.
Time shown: {"hour": 4, "minute": 9}
